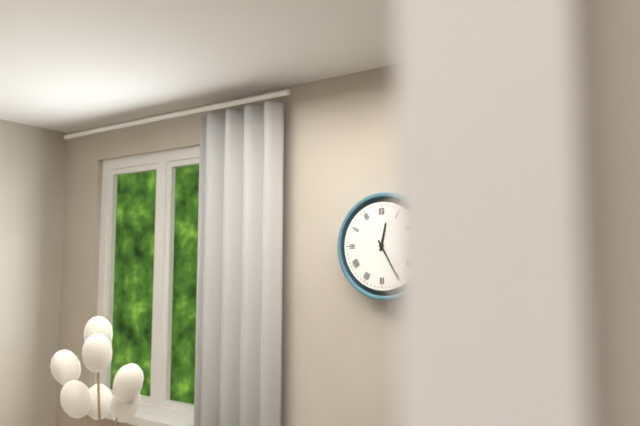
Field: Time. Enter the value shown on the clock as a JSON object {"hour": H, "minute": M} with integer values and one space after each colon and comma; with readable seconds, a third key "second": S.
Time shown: {"hour": 12, "minute": 25}
